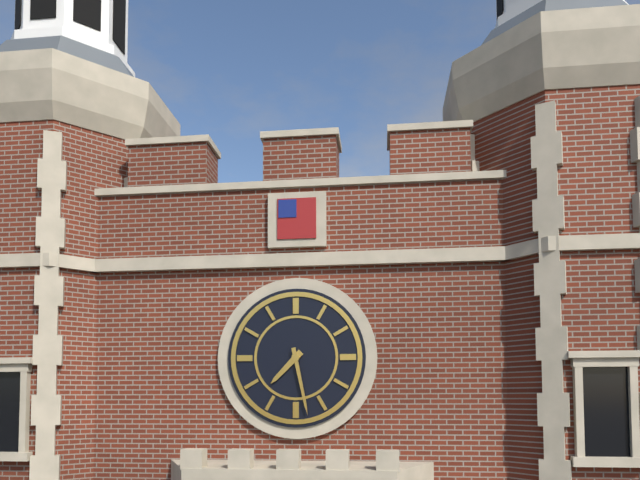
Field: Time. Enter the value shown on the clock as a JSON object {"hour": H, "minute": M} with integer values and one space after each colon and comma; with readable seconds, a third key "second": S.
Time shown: {"hour": 7, "minute": 28}
